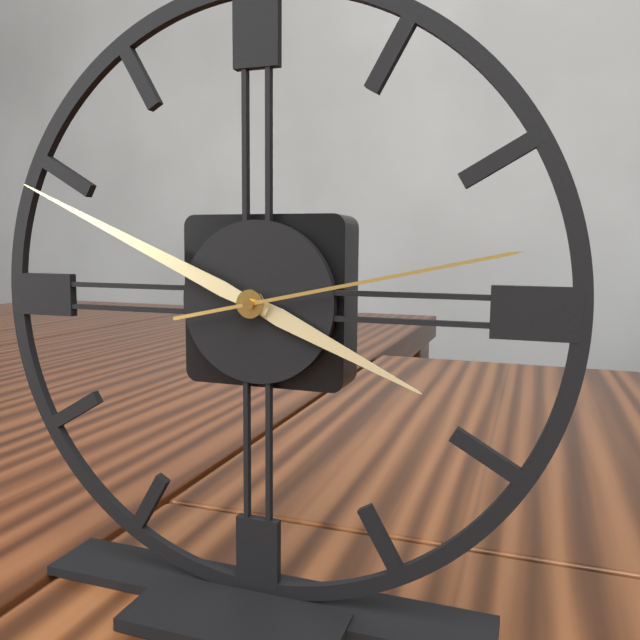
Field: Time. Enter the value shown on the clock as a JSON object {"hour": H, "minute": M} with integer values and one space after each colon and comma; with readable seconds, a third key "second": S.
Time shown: {"hour": 3, "minute": 49, "second": 13}
